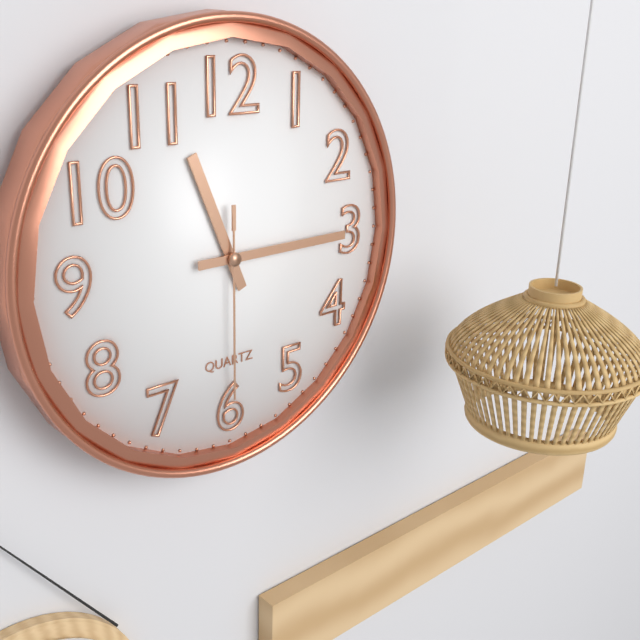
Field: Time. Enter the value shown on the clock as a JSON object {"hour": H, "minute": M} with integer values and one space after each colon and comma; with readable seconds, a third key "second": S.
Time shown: {"hour": 11, "minute": 15, "second": 30}
